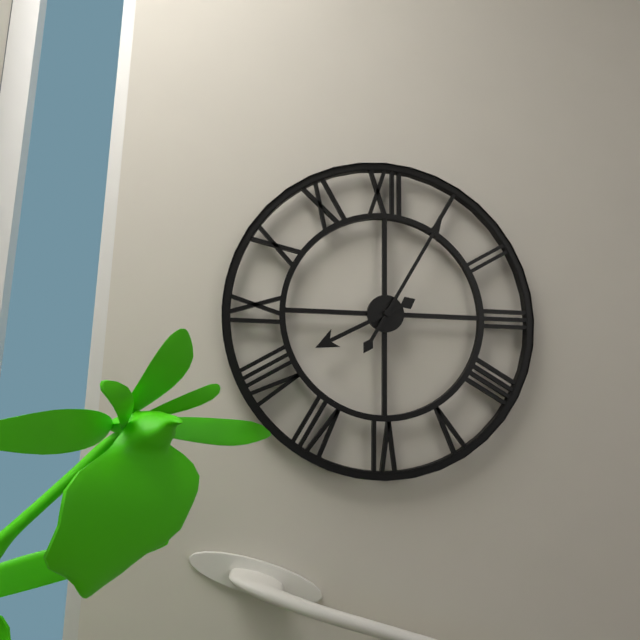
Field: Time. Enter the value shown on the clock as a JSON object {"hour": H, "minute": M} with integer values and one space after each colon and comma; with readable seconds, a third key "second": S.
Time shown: {"hour": 8, "minute": 5}
